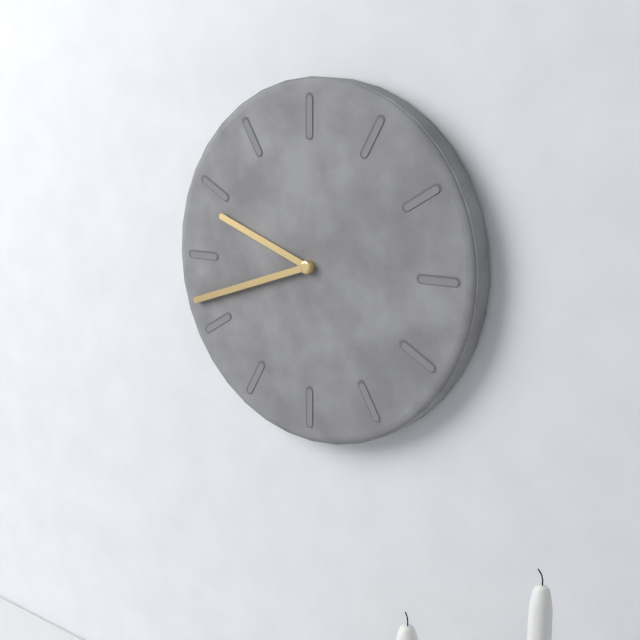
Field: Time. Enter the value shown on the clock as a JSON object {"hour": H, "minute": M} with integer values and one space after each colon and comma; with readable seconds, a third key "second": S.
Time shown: {"hour": 9, "minute": 42}
